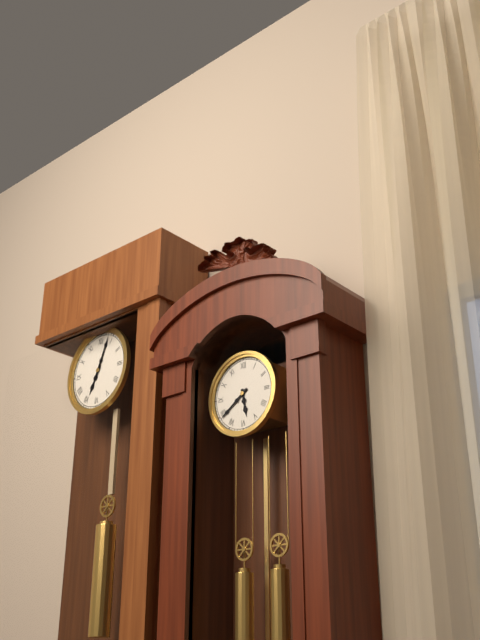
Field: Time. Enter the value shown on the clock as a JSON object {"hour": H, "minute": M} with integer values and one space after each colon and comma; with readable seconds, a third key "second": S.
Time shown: {"hour": 5, "minute": 39}
